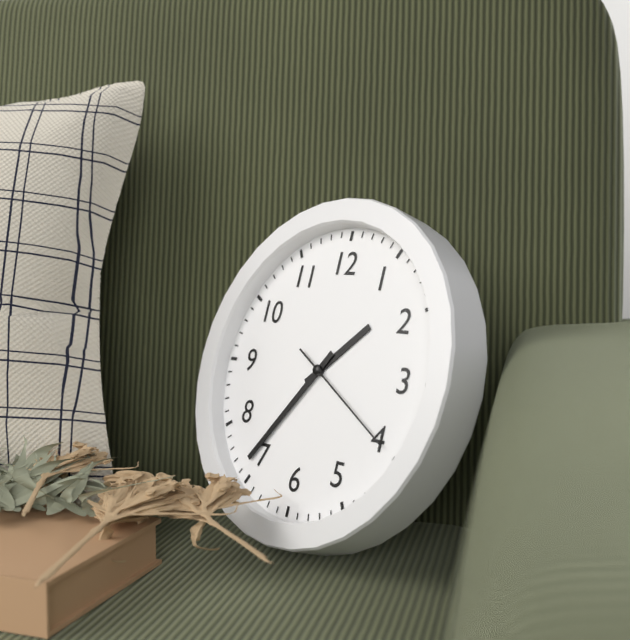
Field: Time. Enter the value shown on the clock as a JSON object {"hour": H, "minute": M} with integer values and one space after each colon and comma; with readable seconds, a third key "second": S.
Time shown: {"hour": 1, "minute": 36, "second": 20}
